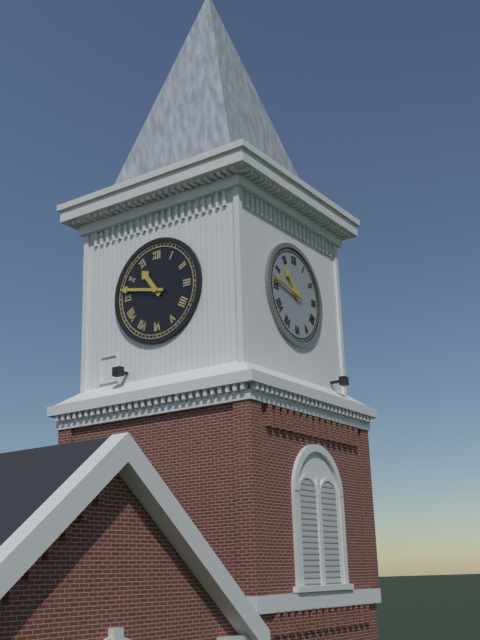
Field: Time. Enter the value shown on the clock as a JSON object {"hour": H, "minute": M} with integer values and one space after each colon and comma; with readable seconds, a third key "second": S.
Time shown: {"hour": 10, "minute": 47}
